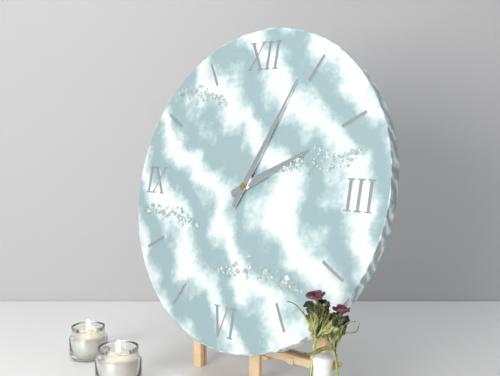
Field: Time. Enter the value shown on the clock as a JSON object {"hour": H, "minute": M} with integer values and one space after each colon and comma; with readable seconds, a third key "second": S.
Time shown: {"hour": 2, "minute": 4}
